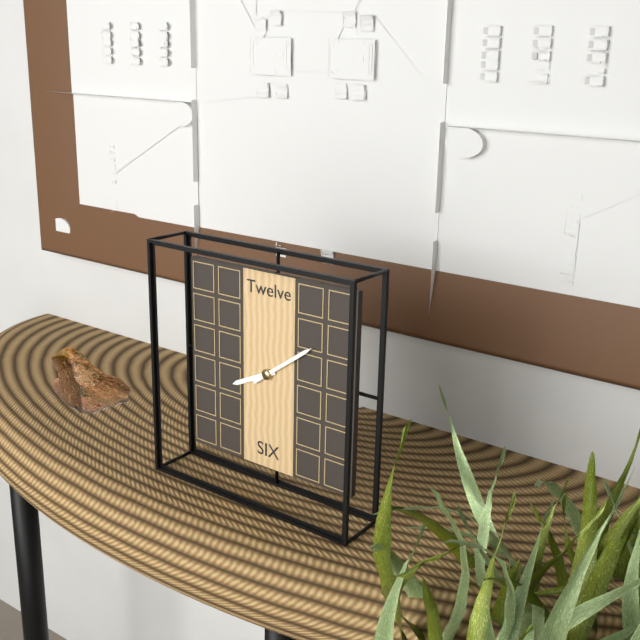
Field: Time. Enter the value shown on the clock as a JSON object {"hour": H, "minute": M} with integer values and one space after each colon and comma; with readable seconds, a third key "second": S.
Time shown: {"hour": 8, "minute": 9}
